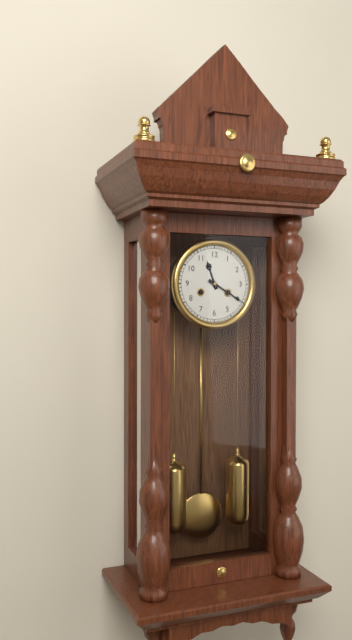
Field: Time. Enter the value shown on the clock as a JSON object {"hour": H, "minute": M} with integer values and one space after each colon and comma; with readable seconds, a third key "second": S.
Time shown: {"hour": 11, "minute": 20}
